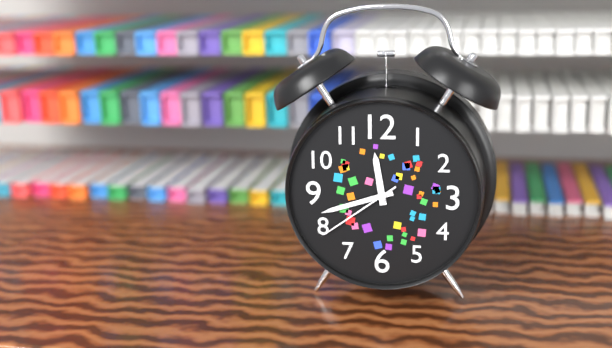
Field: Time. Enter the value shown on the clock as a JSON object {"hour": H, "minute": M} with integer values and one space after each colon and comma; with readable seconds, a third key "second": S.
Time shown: {"hour": 11, "minute": 42, "second": 39}
